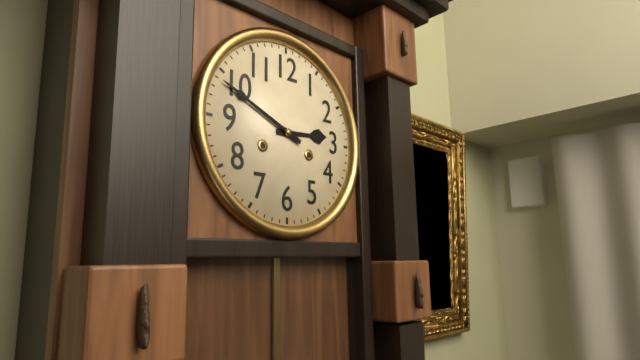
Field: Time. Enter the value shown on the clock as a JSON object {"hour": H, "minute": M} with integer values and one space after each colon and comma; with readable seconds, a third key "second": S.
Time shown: {"hour": 2, "minute": 49}
